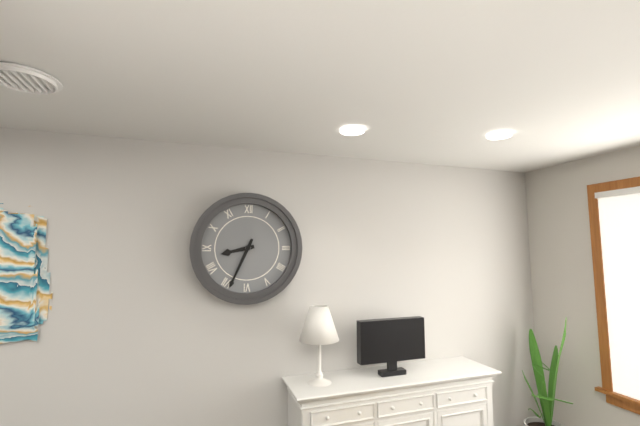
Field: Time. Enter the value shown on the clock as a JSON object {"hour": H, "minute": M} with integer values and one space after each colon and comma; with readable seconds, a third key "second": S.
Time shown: {"hour": 8, "minute": 34}
